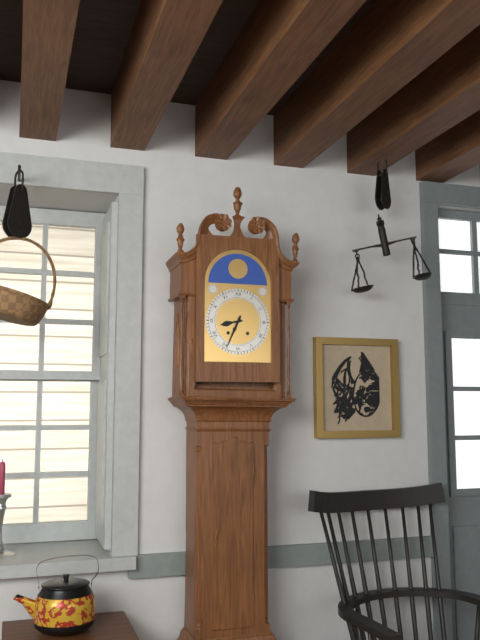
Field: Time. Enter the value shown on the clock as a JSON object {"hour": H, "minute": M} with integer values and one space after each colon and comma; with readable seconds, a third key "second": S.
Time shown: {"hour": 8, "minute": 34}
